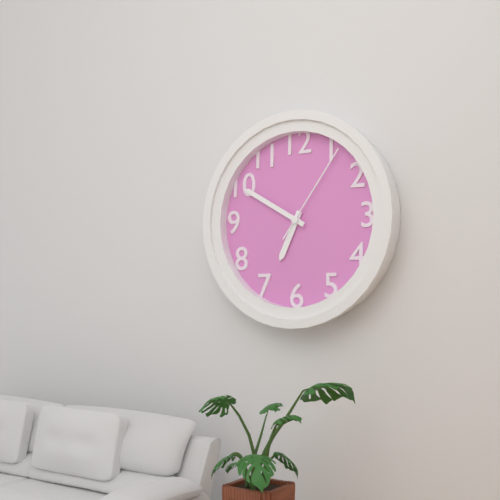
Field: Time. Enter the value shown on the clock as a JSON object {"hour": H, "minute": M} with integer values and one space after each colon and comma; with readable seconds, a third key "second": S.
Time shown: {"hour": 6, "minute": 50, "second": 6}
